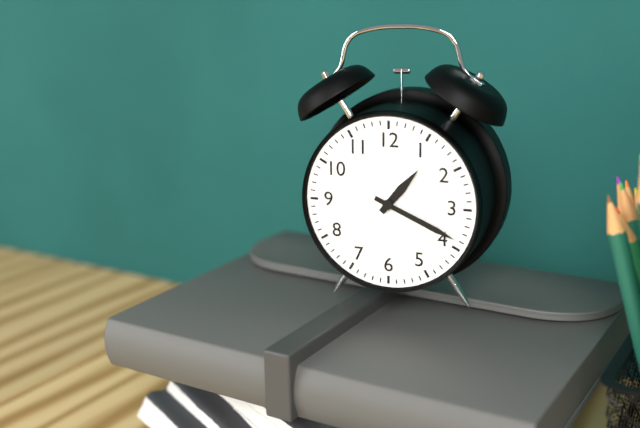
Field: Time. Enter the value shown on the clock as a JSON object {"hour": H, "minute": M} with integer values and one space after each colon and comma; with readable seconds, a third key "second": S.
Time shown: {"hour": 1, "minute": 19}
